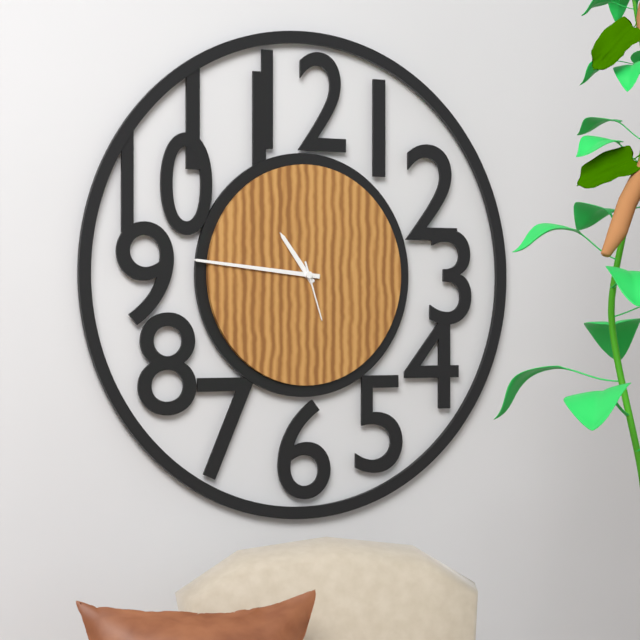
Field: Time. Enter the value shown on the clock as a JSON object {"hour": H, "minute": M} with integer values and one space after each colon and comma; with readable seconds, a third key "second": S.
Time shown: {"hour": 10, "minute": 46, "second": 27}
